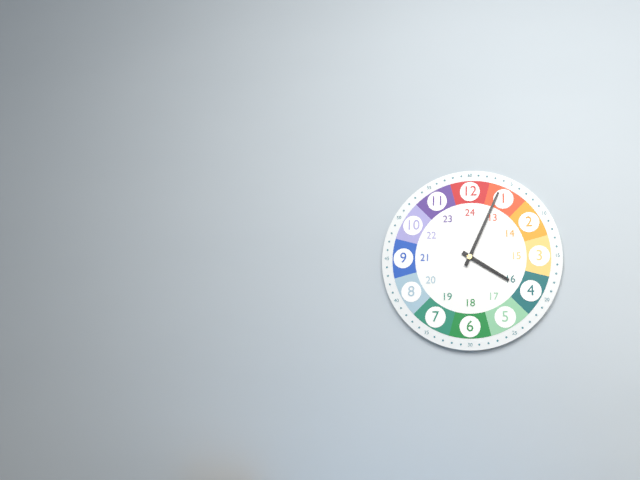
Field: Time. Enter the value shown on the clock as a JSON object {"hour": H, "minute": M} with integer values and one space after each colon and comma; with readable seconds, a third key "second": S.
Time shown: {"hour": 4, "minute": 4}
